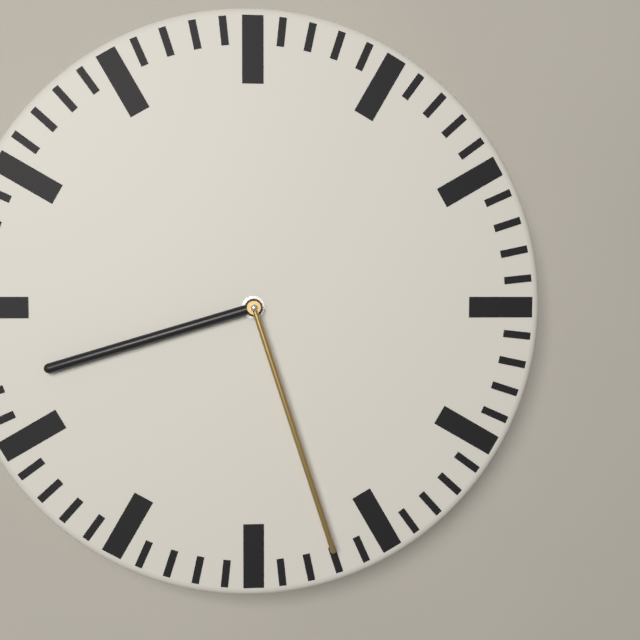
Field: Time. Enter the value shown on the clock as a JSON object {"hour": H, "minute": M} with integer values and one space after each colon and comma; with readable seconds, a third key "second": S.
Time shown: {"hour": 8, "minute": 27}
